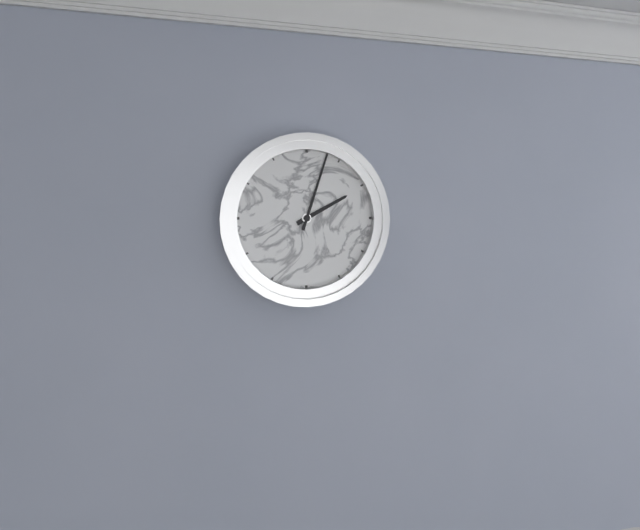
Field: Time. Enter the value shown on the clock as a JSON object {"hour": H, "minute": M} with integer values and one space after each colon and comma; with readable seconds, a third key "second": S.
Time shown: {"hour": 2, "minute": 3}
